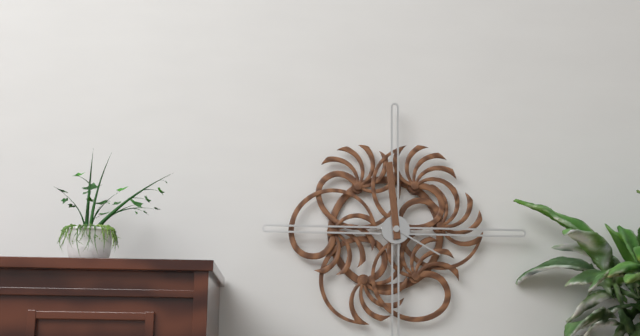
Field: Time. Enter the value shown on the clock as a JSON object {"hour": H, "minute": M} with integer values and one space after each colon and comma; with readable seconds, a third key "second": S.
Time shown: {"hour": 3, "minute": 59}
